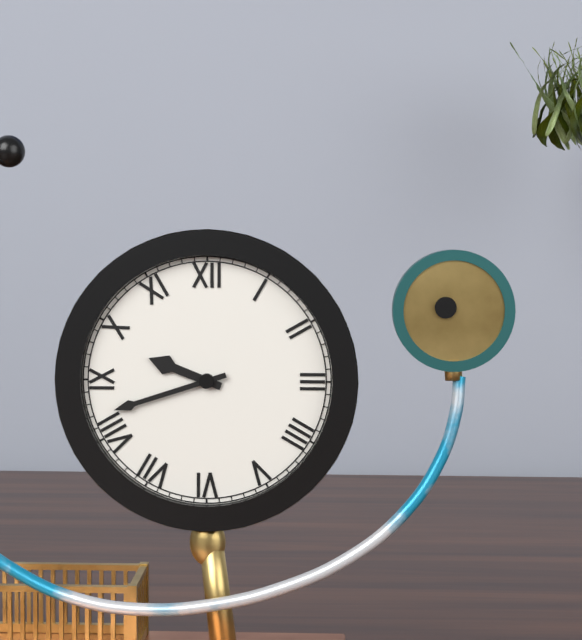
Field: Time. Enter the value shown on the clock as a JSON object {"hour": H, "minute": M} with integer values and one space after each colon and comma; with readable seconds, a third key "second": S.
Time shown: {"hour": 9, "minute": 42}
